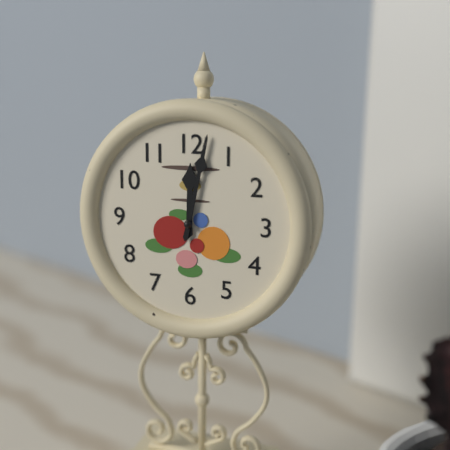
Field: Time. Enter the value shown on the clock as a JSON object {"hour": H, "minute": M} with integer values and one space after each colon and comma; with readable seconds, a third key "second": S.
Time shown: {"hour": 12, "minute": 2}
